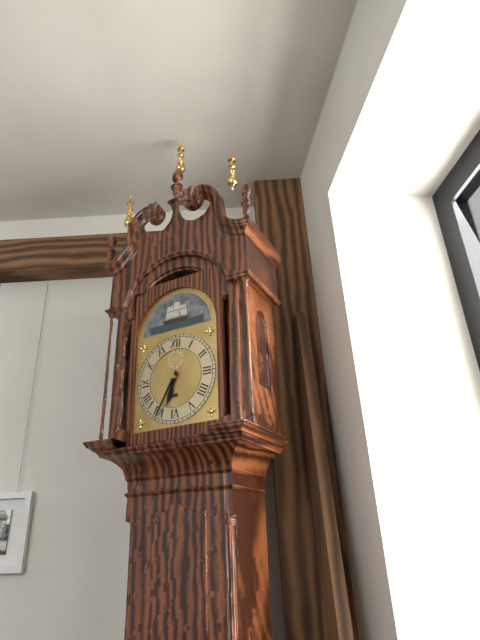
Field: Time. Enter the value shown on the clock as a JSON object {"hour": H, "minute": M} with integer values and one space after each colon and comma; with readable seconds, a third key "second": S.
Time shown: {"hour": 6, "minute": 35}
